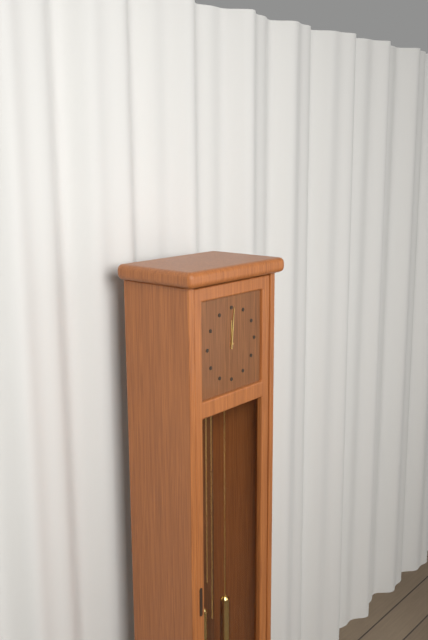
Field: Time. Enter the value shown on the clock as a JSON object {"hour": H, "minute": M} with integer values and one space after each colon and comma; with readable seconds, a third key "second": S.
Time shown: {"hour": 12, "minute": 1}
